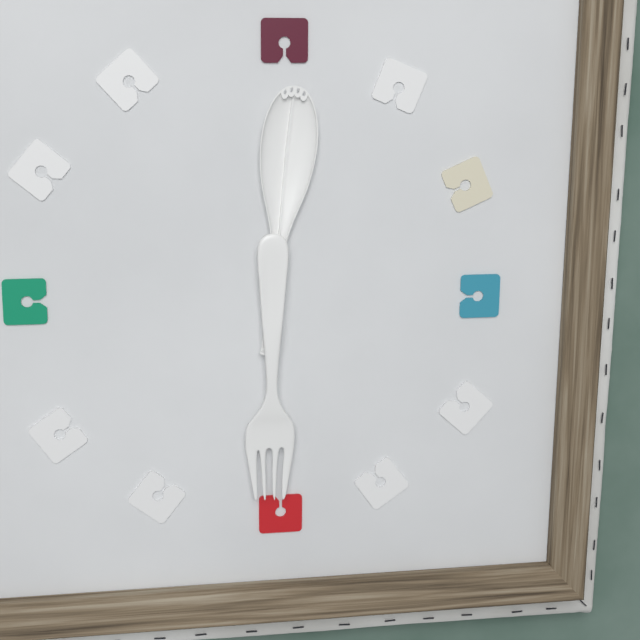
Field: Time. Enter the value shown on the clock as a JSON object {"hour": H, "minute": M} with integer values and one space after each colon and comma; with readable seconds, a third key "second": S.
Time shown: {"hour": 6, "minute": 1}
